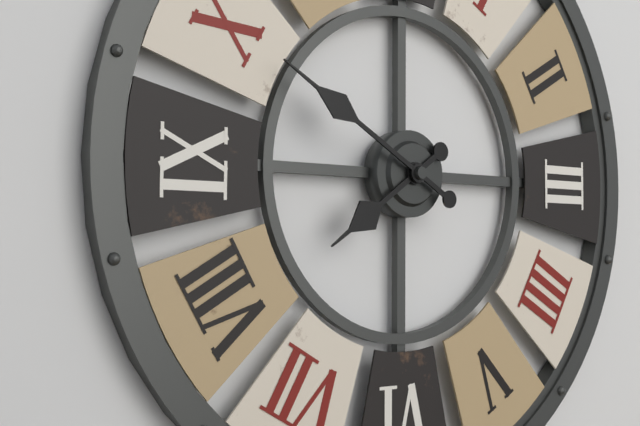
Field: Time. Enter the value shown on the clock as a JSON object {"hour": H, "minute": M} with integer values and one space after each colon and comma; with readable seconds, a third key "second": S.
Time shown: {"hour": 7, "minute": 50}
